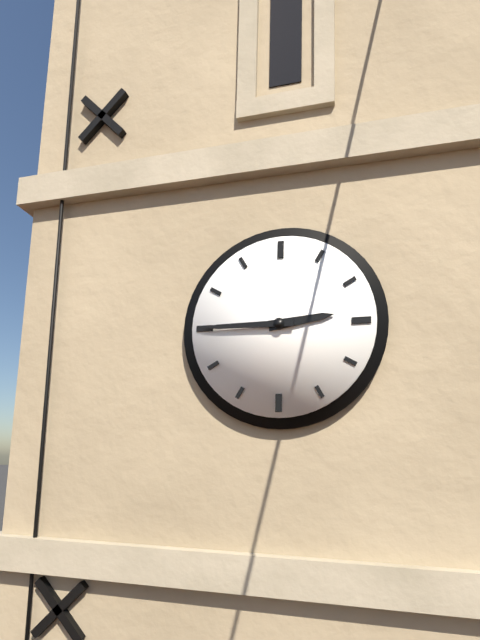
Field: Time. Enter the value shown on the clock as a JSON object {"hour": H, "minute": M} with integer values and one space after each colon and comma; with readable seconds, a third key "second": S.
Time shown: {"hour": 2, "minute": 45}
